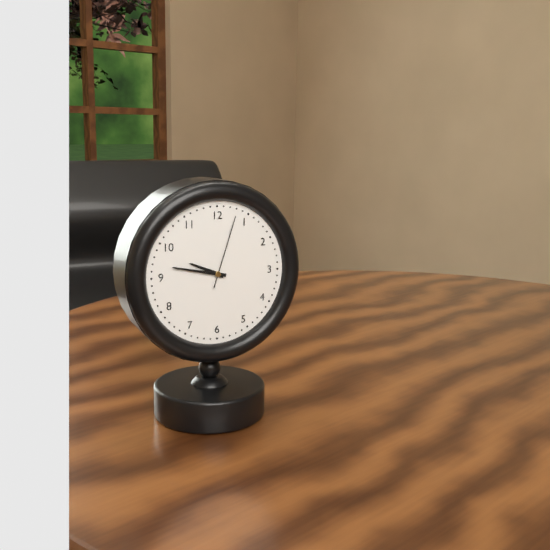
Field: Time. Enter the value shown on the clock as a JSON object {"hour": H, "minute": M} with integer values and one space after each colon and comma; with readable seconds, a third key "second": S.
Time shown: {"hour": 9, "minute": 47, "second": 3}
